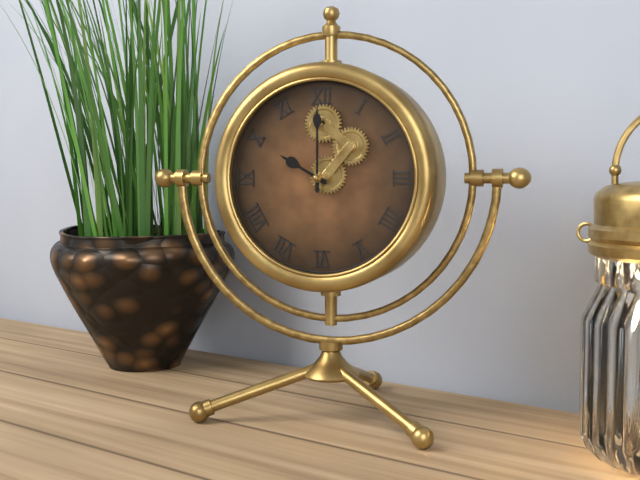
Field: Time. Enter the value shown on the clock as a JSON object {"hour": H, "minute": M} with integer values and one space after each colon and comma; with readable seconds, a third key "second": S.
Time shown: {"hour": 10, "minute": 0}
